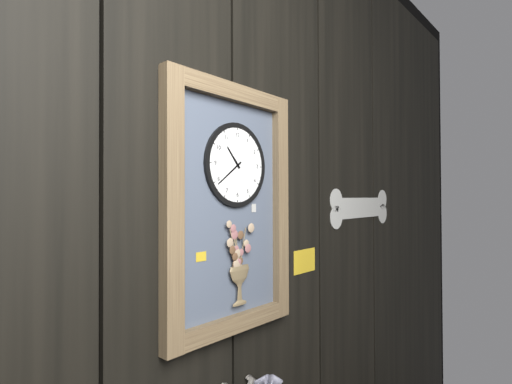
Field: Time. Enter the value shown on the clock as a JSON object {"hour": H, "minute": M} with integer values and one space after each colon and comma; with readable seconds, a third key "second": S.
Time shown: {"hour": 10, "minute": 39}
